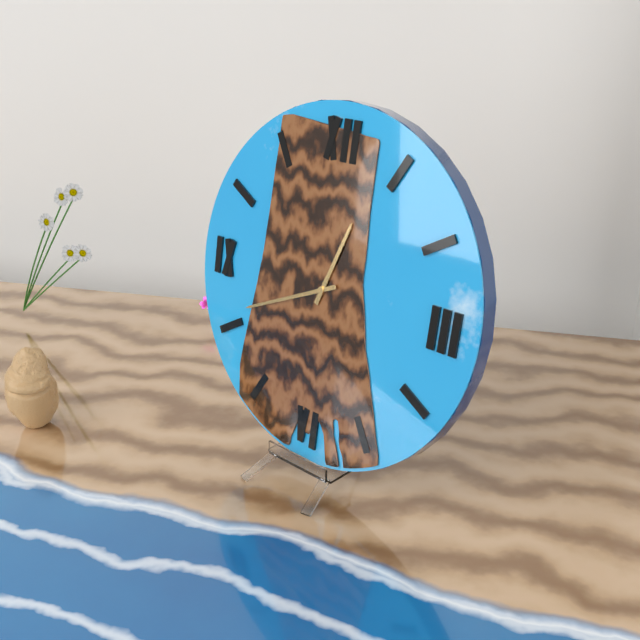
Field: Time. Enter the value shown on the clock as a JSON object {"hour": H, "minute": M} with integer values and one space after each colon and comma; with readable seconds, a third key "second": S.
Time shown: {"hour": 12, "minute": 41}
